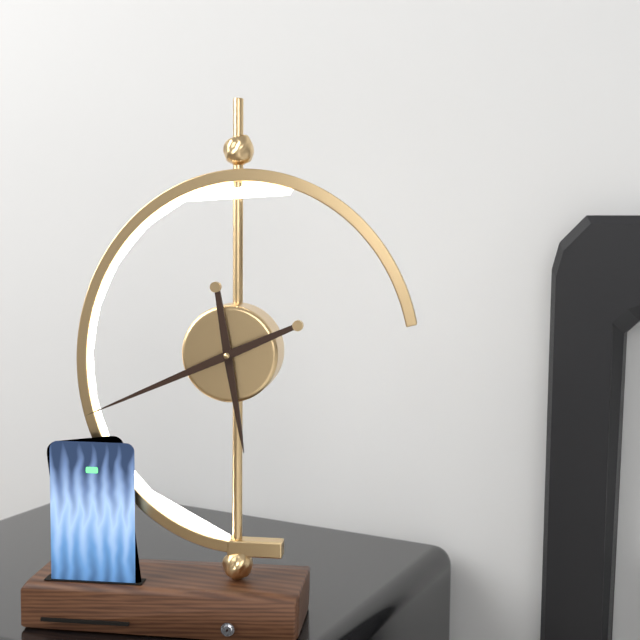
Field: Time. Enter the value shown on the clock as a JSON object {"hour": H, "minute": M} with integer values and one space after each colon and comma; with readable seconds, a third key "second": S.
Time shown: {"hour": 5, "minute": 41}
